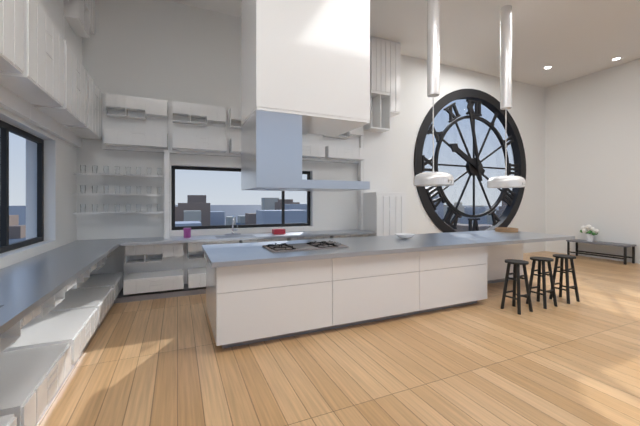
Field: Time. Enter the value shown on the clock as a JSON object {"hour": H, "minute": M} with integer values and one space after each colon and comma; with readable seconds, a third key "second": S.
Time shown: {"hour": 9, "minute": 58}
